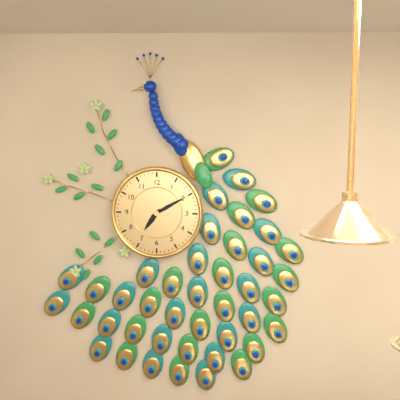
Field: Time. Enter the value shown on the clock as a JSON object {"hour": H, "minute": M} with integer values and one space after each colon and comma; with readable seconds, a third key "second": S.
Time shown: {"hour": 7, "minute": 10}
